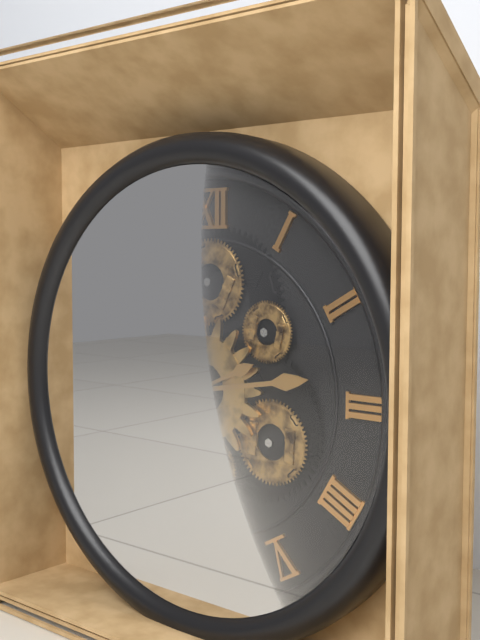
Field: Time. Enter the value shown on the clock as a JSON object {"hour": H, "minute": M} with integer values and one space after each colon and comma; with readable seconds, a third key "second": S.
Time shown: {"hour": 2, "minute": 41}
